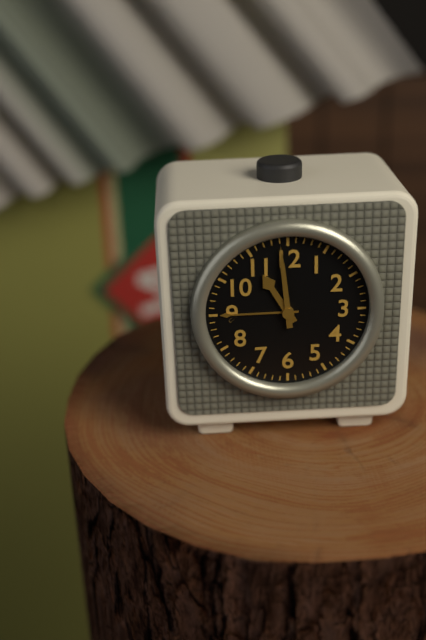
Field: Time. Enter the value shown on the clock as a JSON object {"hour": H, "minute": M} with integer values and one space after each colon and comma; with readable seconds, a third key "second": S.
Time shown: {"hour": 10, "minute": 59}
